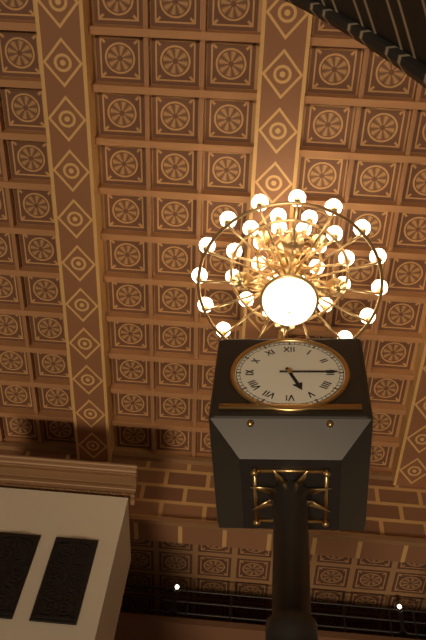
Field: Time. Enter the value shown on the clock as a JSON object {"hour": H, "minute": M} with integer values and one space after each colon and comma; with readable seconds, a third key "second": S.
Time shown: {"hour": 5, "minute": 15}
